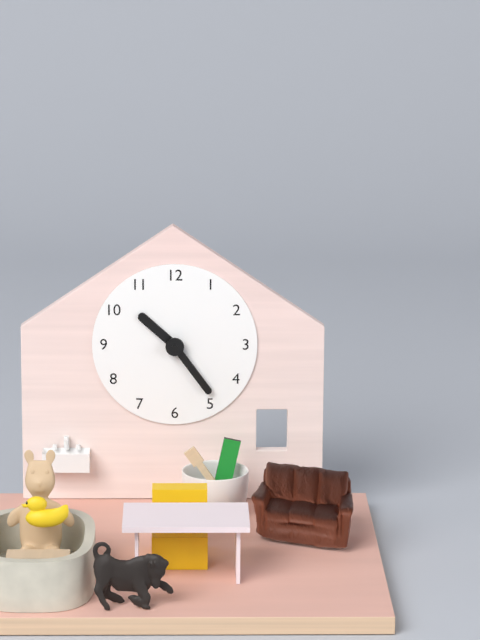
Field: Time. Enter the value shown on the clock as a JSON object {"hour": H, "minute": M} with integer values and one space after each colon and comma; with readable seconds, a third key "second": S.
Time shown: {"hour": 10, "minute": 24}
